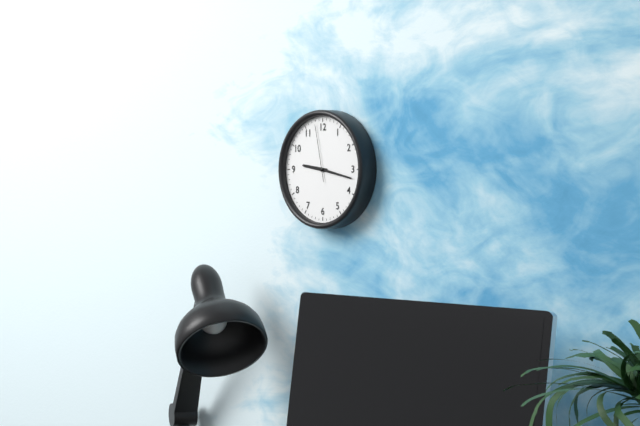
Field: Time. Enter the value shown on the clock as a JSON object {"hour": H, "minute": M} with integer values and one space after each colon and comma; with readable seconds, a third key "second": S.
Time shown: {"hour": 9, "minute": 17, "second": 58}
